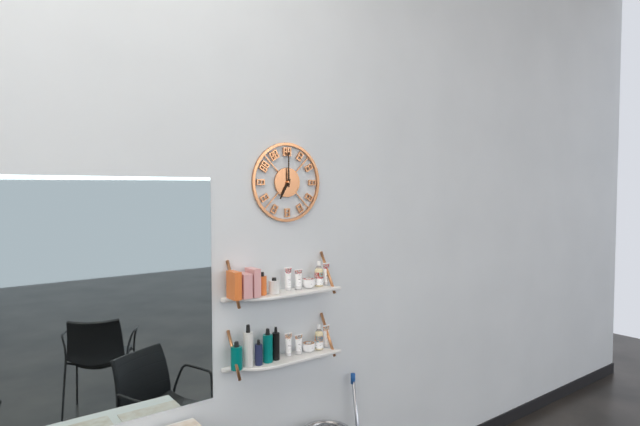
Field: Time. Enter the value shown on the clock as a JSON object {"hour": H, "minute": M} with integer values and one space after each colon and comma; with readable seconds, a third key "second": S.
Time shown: {"hour": 7, "minute": 0}
